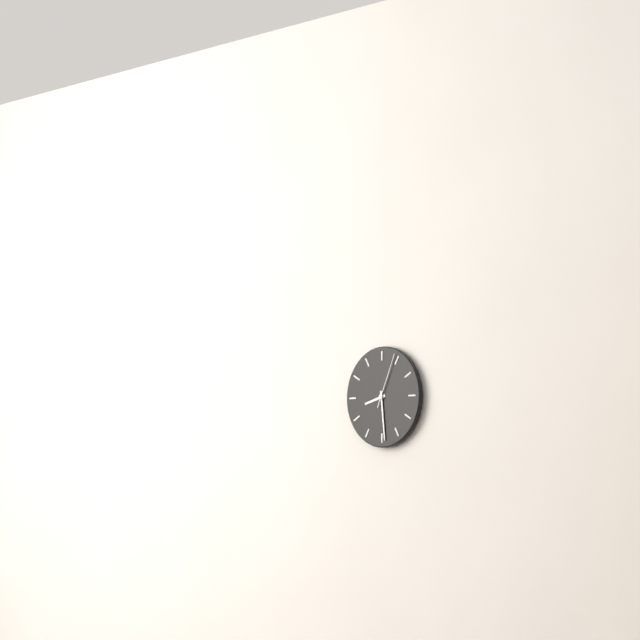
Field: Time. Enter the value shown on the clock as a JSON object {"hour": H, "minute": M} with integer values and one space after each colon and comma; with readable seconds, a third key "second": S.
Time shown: {"hour": 8, "minute": 29, "second": 4}
